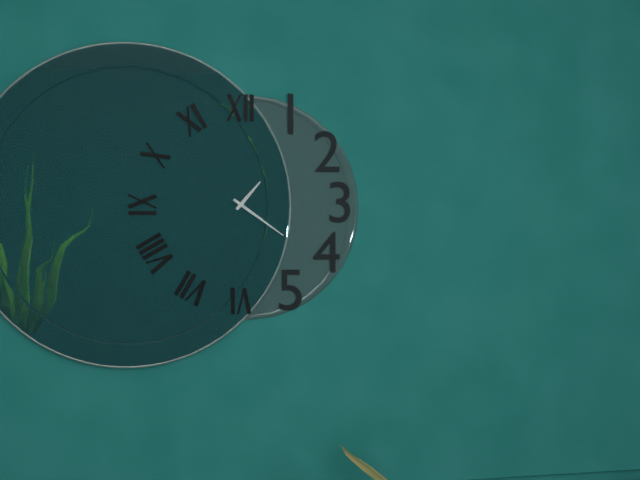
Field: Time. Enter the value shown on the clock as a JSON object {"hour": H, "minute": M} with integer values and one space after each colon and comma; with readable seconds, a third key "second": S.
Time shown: {"hour": 1, "minute": 21}
